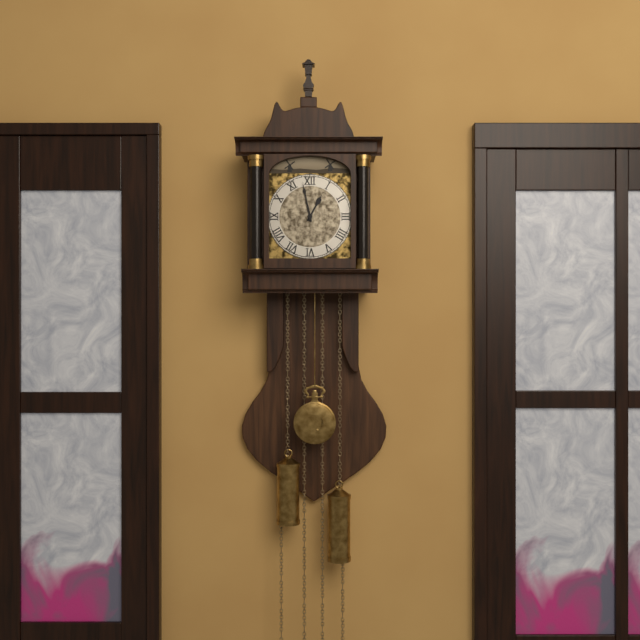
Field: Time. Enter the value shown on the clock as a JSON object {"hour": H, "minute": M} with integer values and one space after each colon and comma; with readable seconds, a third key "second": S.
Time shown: {"hour": 12, "minute": 58}
